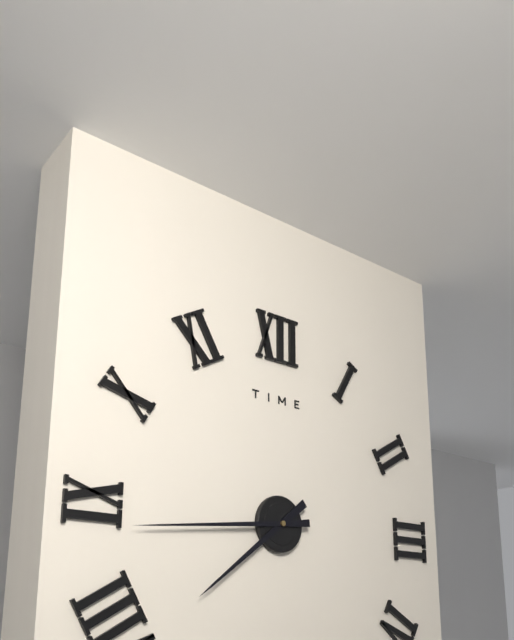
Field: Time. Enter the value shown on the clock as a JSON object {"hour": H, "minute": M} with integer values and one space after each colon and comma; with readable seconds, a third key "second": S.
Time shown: {"hour": 7, "minute": 44}
